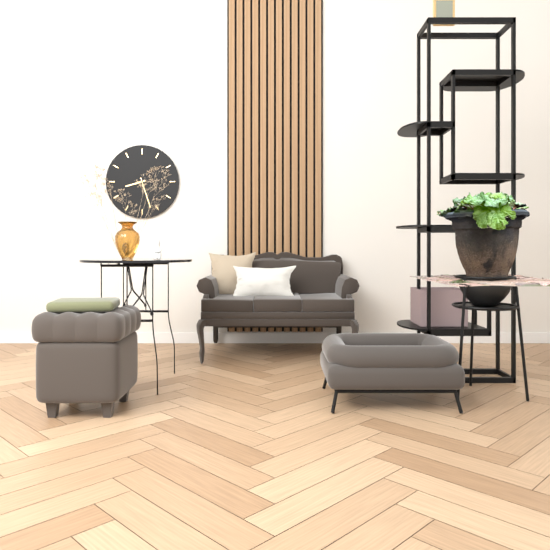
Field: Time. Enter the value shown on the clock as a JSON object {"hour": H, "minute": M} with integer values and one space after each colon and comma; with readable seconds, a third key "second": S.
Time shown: {"hour": 8, "minute": 27}
